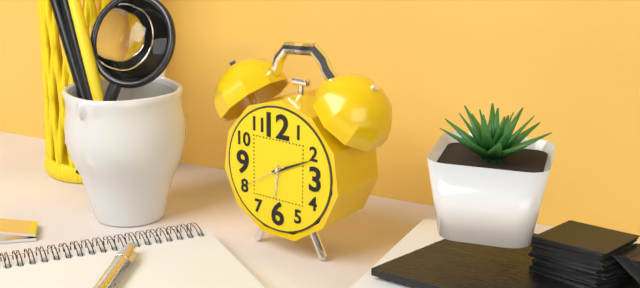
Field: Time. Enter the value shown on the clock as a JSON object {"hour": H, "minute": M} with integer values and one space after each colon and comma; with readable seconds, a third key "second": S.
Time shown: {"hour": 6, "minute": 11}
